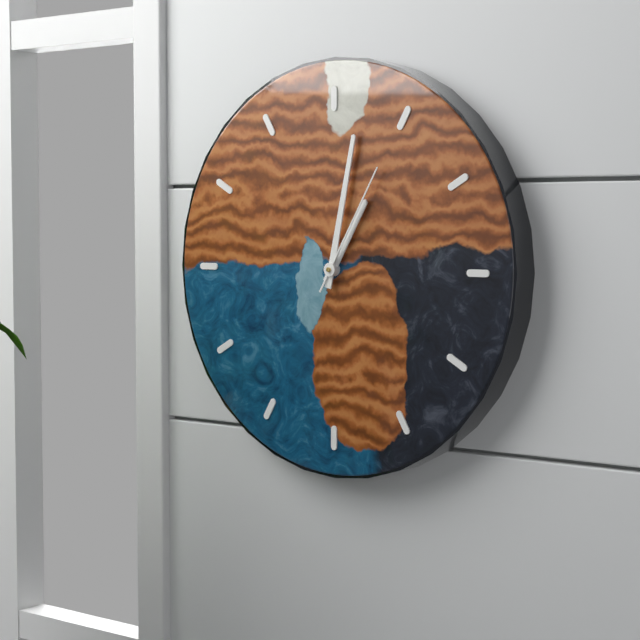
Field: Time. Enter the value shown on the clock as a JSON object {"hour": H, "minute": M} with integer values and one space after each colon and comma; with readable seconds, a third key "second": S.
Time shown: {"hour": 1, "minute": 2, "second": 5}
